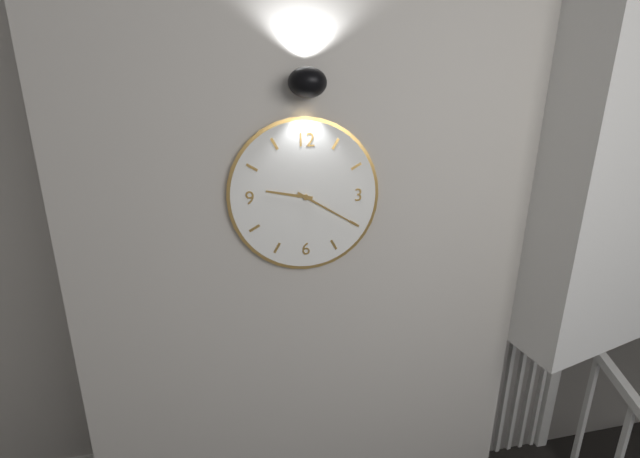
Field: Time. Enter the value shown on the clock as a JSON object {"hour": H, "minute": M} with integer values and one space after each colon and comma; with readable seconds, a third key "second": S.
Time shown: {"hour": 9, "minute": 20}
